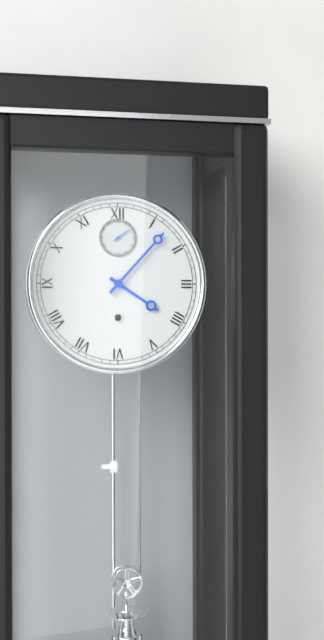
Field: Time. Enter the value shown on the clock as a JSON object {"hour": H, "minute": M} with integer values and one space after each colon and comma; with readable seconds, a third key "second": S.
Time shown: {"hour": 4, "minute": 7}
